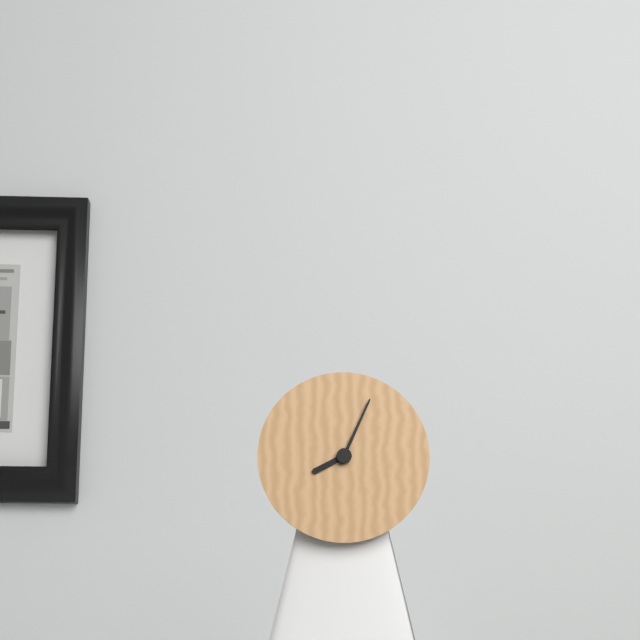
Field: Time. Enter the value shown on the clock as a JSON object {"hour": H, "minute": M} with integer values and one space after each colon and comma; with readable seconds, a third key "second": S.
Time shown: {"hour": 8, "minute": 4}
